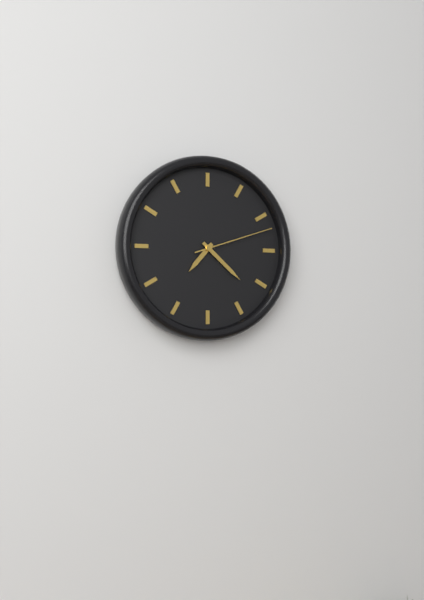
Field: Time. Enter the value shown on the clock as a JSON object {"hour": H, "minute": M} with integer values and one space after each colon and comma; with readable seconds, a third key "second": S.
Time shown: {"hour": 7, "minute": 22, "second": 12}
